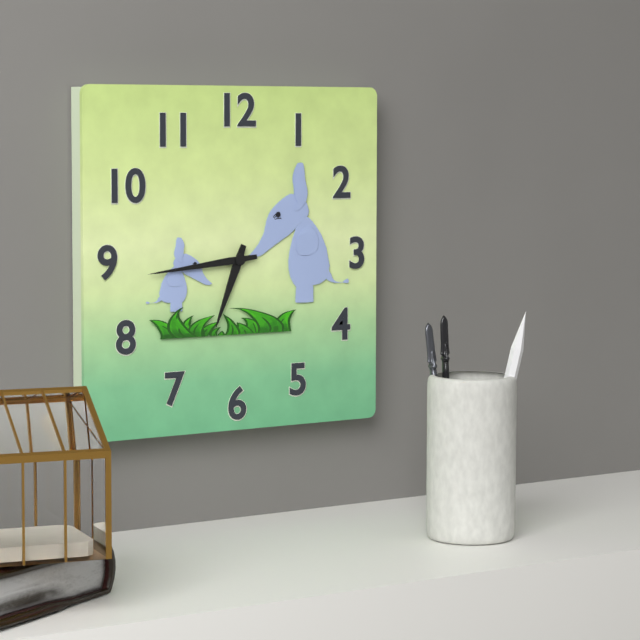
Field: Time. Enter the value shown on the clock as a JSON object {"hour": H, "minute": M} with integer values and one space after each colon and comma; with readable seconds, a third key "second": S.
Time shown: {"hour": 6, "minute": 44}
